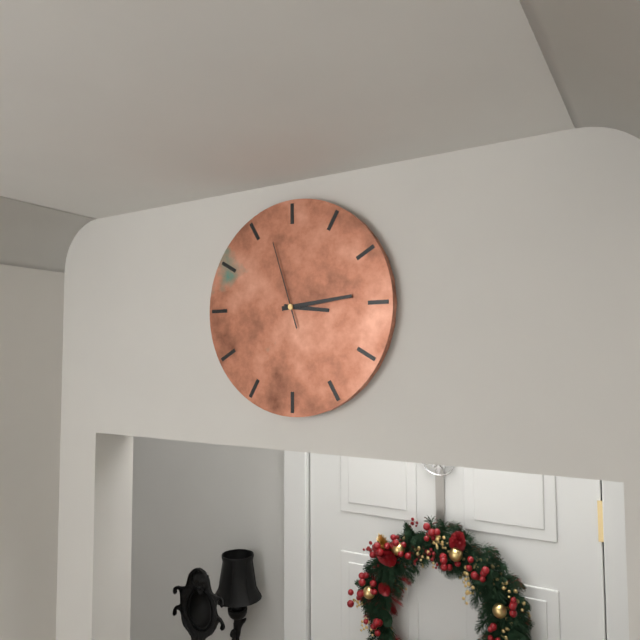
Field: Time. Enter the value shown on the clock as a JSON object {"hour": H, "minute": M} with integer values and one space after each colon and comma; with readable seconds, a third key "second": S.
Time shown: {"hour": 3, "minute": 14, "second": 57}
